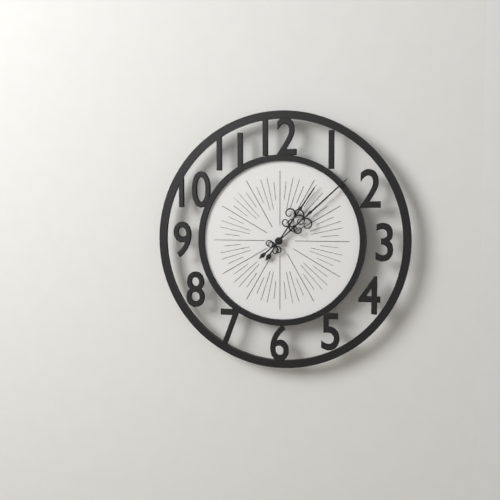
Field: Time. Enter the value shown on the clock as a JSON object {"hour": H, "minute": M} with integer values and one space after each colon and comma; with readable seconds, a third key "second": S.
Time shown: {"hour": 1, "minute": 8}
